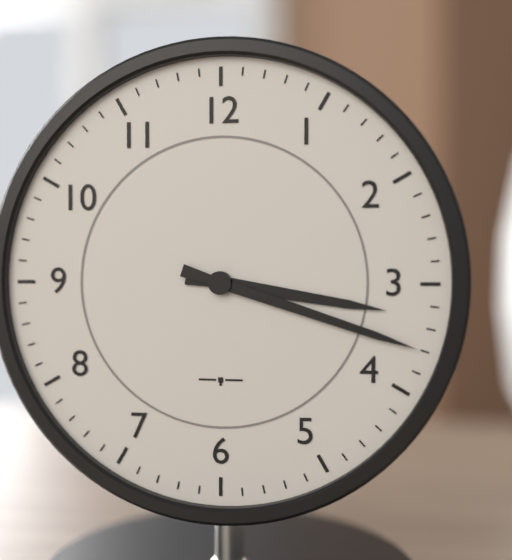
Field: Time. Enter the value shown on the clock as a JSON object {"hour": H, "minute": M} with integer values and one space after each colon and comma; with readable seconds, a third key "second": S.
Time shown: {"hour": 3, "minute": 18}
